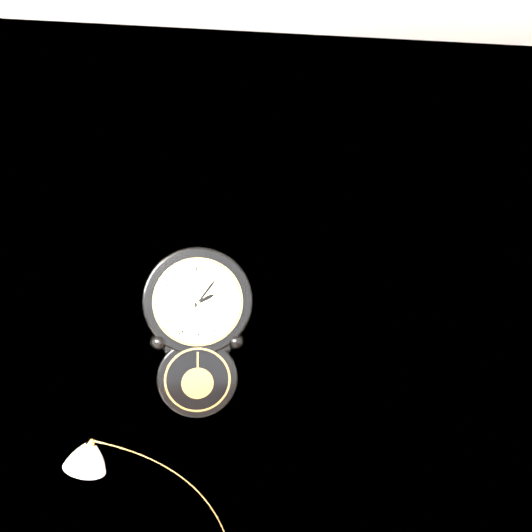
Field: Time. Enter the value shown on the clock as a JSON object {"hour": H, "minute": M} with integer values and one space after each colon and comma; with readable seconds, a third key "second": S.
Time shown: {"hour": 2, "minute": 6}
